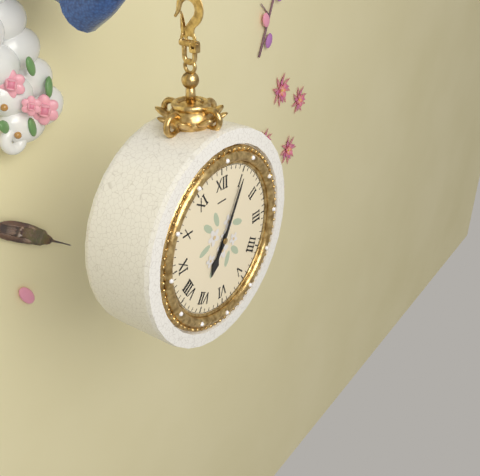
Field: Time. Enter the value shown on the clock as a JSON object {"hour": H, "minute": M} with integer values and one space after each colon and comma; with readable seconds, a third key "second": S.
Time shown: {"hour": 7, "minute": 5}
